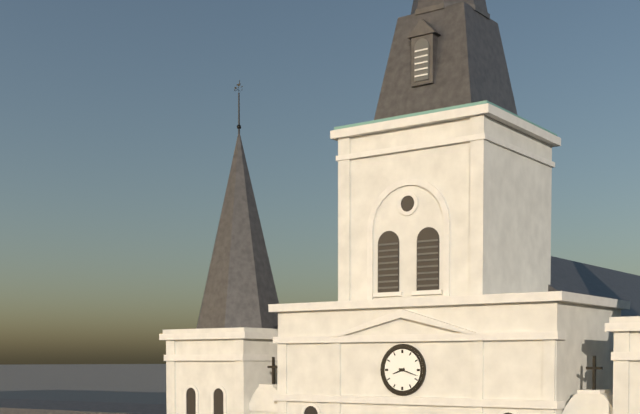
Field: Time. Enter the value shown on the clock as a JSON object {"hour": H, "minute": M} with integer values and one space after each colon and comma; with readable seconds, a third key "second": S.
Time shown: {"hour": 8, "minute": 18}
